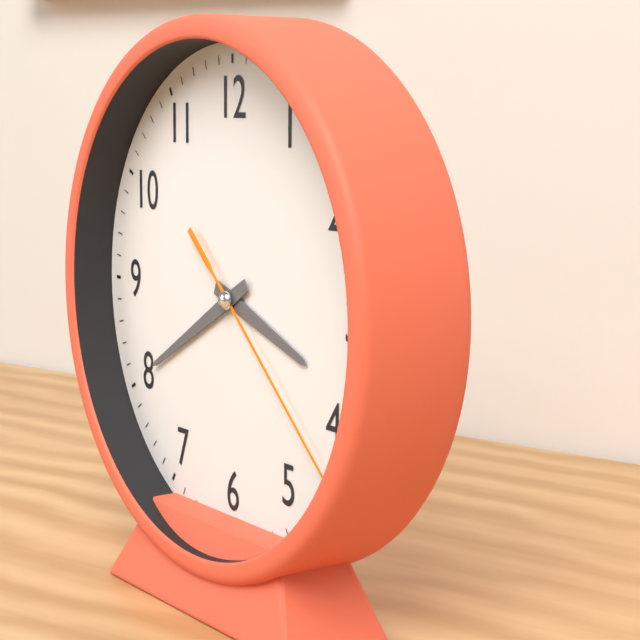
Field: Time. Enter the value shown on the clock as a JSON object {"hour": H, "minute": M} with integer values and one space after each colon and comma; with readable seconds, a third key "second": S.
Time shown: {"hour": 3, "minute": 40, "second": 22}
